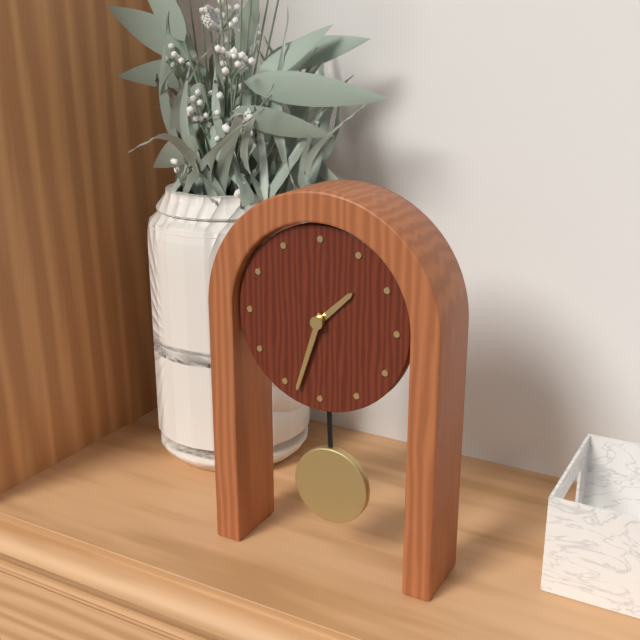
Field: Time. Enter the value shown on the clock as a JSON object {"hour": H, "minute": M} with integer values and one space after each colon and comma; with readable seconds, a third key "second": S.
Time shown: {"hour": 1, "minute": 33}
